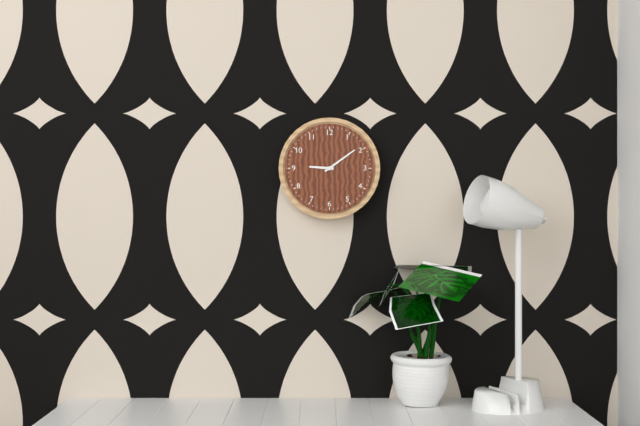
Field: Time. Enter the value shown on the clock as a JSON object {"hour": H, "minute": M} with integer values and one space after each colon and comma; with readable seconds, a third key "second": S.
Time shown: {"hour": 9, "minute": 9}
